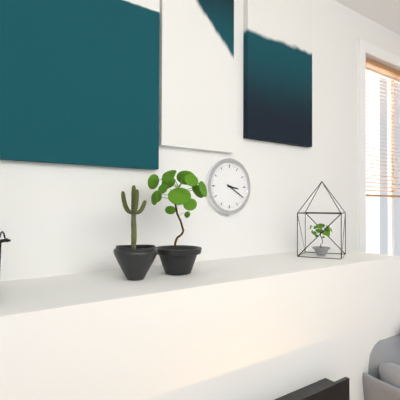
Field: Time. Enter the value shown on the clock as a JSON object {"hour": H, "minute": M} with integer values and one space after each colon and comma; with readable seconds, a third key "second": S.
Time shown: {"hour": 3, "minute": 20}
